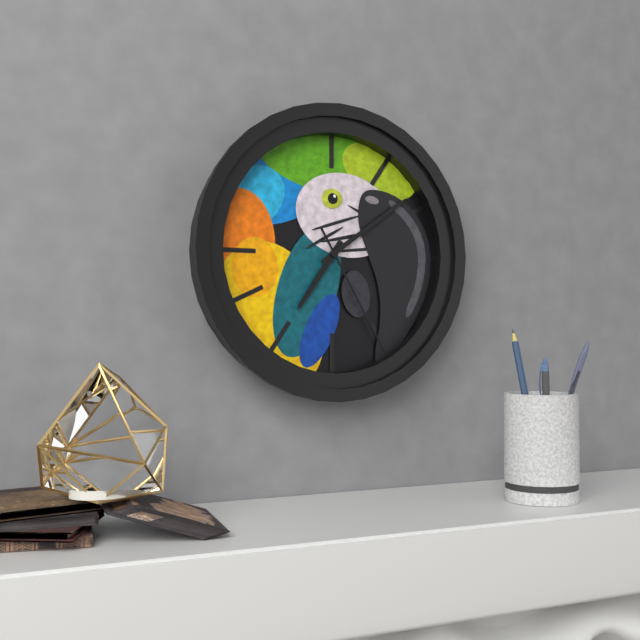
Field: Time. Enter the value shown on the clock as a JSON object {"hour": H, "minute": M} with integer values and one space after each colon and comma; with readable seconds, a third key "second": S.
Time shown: {"hour": 7, "minute": 9, "second": 25}
